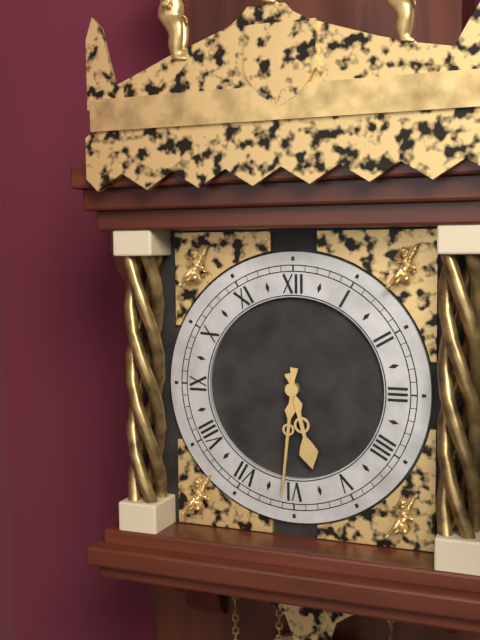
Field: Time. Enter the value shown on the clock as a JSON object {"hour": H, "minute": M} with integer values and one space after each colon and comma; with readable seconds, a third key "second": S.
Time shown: {"hour": 5, "minute": 31}
